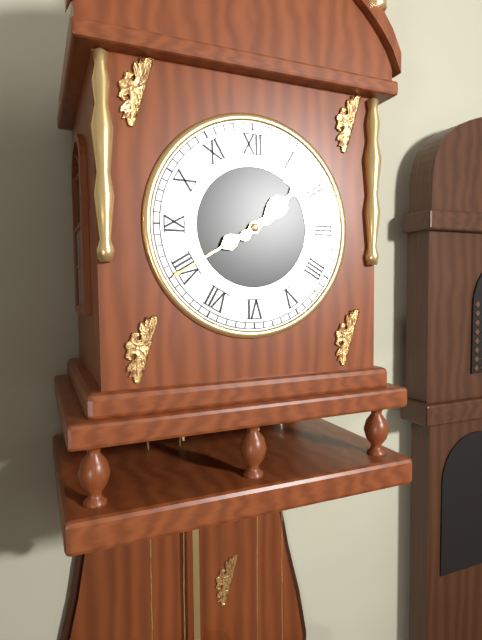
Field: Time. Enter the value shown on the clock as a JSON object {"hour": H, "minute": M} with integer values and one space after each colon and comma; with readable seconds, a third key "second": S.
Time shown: {"hour": 1, "minute": 40}
